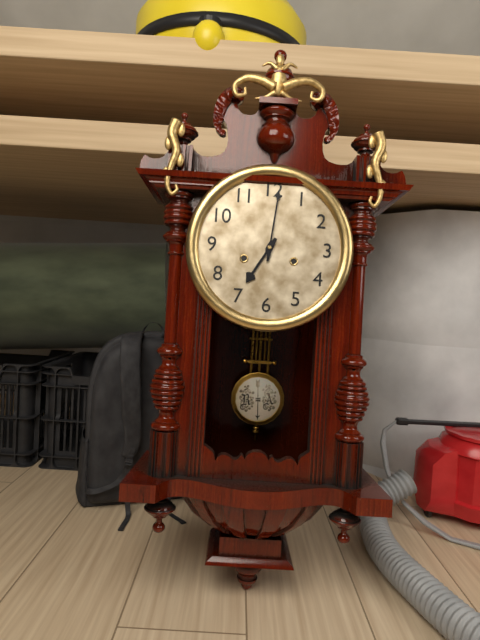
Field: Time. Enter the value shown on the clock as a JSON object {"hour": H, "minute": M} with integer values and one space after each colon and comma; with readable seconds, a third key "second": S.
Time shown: {"hour": 7, "minute": 1}
